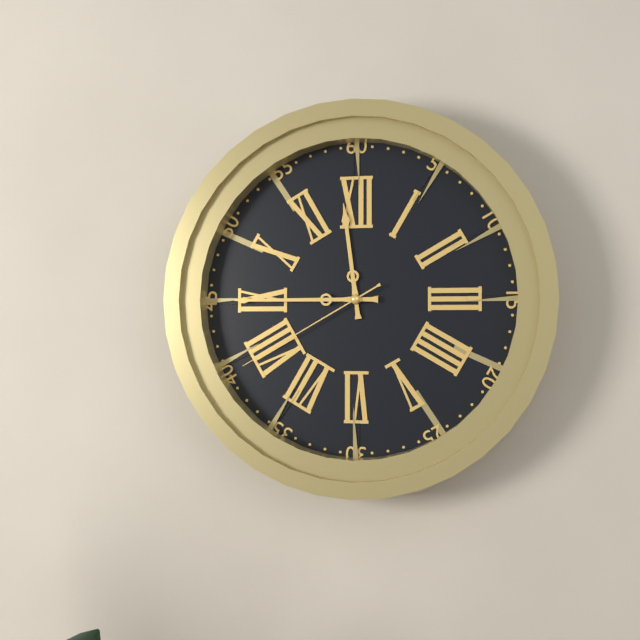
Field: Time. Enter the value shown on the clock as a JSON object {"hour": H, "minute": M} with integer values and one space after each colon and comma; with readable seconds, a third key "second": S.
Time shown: {"hour": 11, "minute": 45, "second": 40}
